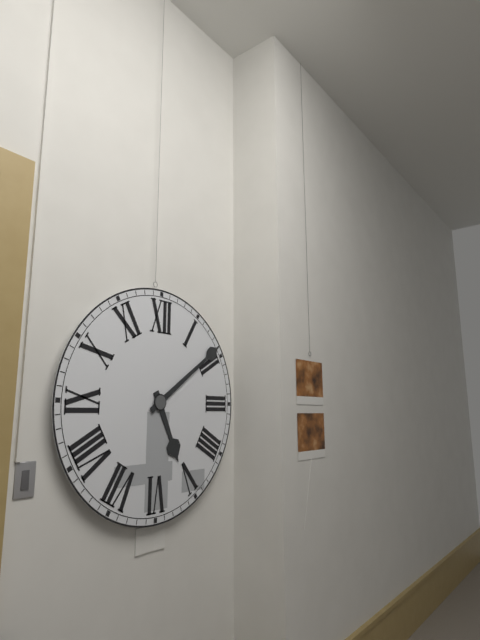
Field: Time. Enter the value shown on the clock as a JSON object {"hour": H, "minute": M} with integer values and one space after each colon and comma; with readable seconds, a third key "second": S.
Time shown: {"hour": 5, "minute": 9}
